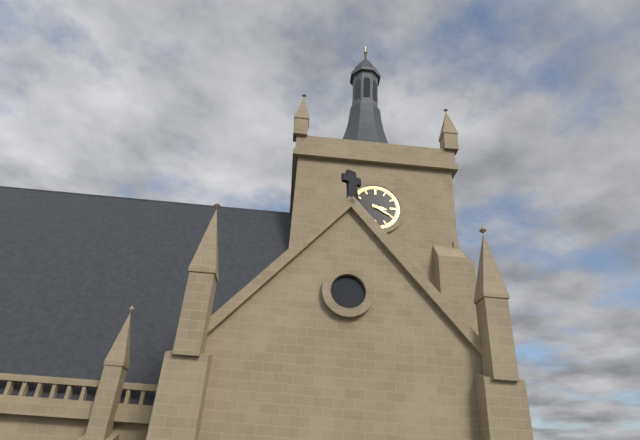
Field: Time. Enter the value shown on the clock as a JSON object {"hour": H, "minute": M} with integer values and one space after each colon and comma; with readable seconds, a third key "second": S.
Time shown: {"hour": 3, "minute": 20}
